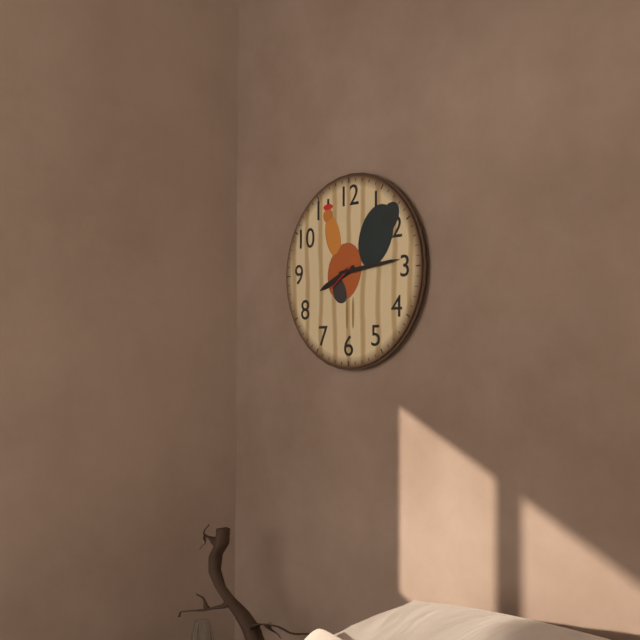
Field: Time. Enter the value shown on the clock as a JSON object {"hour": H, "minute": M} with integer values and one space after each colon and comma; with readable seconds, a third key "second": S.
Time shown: {"hour": 8, "minute": 14}
